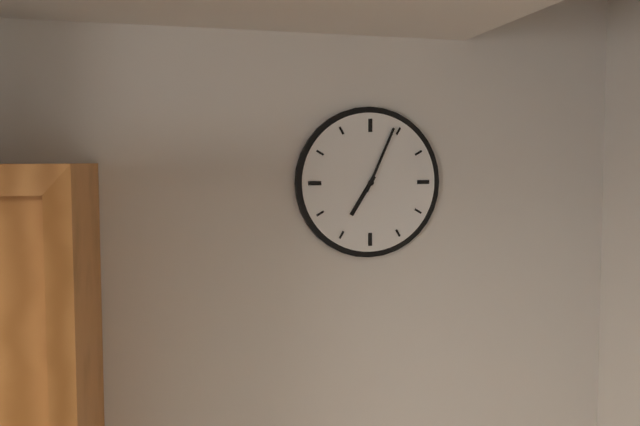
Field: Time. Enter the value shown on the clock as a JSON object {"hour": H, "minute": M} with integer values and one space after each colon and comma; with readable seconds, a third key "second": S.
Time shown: {"hour": 7, "minute": 4}
